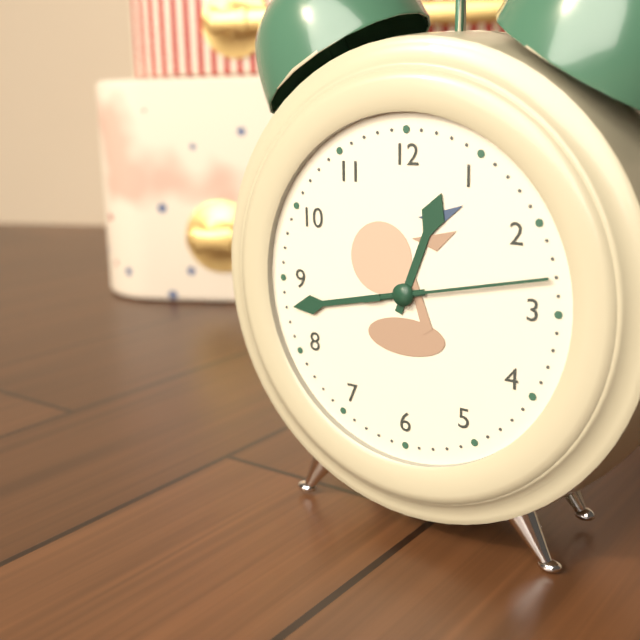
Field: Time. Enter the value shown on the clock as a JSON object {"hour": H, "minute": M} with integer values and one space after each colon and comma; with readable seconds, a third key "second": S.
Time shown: {"hour": 12, "minute": 43, "second": 13}
